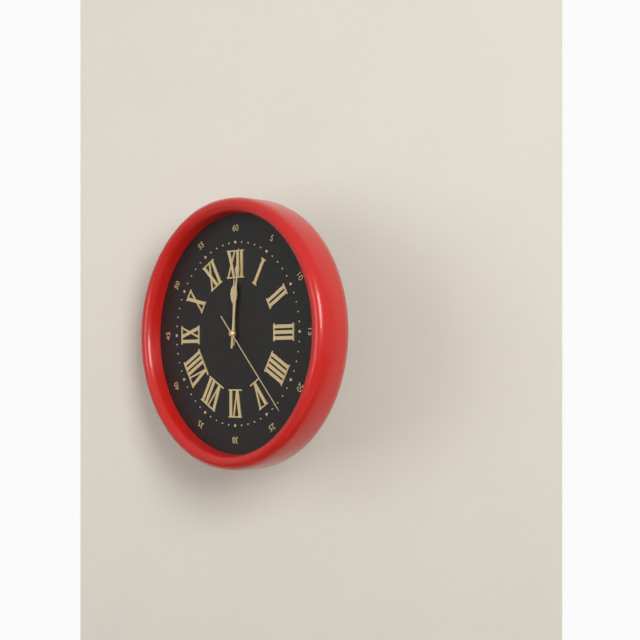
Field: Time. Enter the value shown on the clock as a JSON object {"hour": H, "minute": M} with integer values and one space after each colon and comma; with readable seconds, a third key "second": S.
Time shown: {"hour": 12, "minute": 1, "second": 23}
